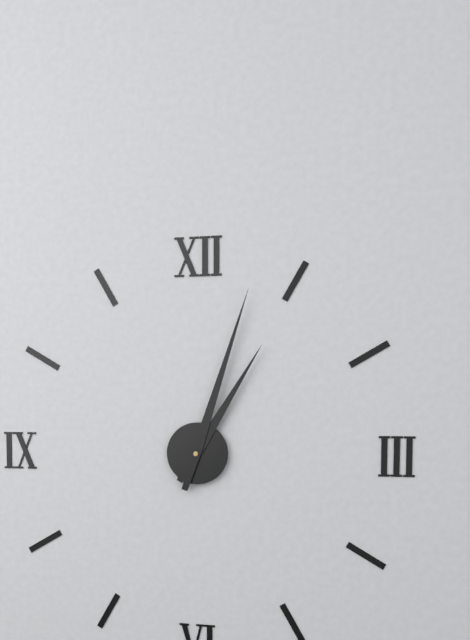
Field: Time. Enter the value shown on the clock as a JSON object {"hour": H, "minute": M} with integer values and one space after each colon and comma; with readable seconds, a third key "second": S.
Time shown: {"hour": 1, "minute": 3}
